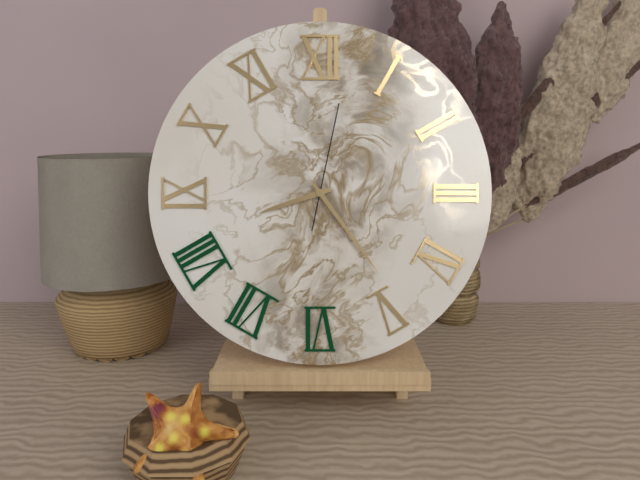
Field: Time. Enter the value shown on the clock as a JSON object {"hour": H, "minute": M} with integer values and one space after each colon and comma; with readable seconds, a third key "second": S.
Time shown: {"hour": 8, "minute": 24, "second": 2}
